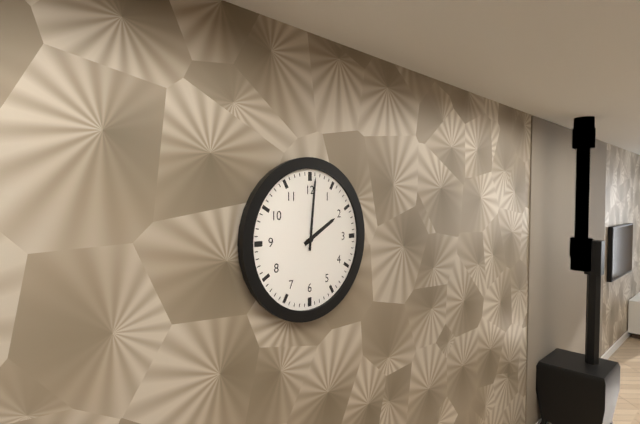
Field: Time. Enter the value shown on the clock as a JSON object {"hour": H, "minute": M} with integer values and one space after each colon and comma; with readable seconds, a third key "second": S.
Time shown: {"hour": 2, "minute": 1}
